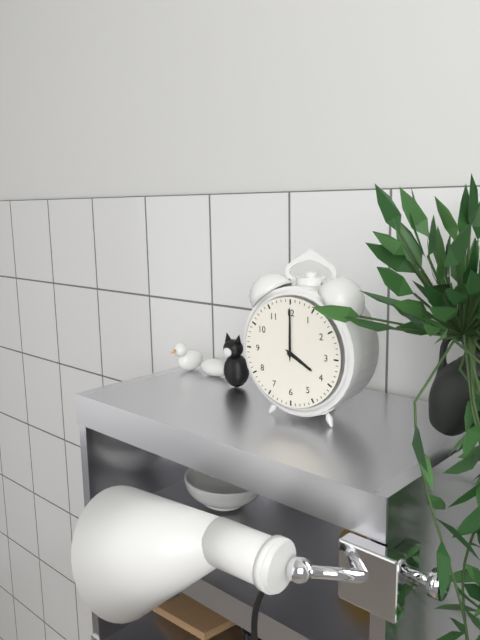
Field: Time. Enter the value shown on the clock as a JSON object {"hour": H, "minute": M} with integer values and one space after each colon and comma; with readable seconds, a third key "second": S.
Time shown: {"hour": 4, "minute": 0}
